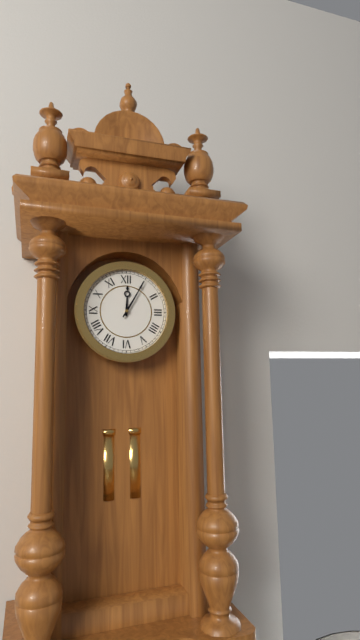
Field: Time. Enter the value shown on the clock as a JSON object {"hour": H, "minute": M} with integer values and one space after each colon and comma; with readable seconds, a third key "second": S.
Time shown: {"hour": 12, "minute": 5}
